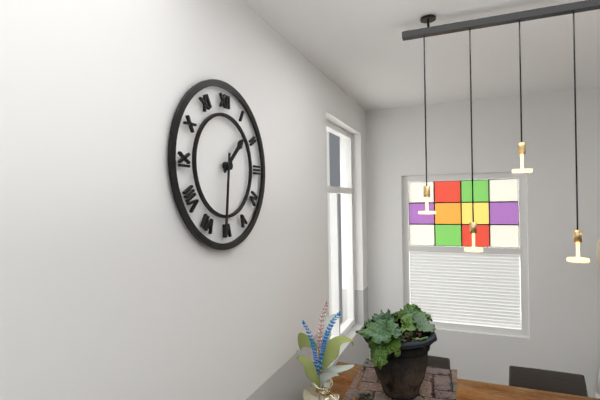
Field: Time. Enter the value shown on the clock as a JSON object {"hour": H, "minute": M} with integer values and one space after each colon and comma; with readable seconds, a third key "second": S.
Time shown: {"hour": 1, "minute": 31}
